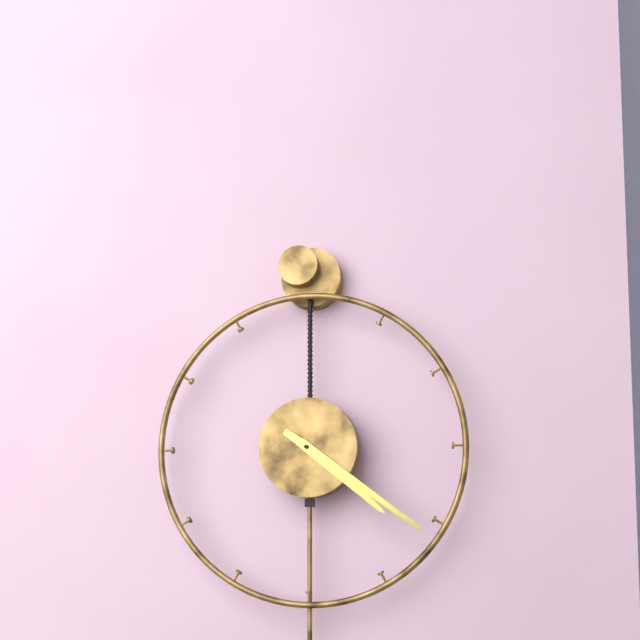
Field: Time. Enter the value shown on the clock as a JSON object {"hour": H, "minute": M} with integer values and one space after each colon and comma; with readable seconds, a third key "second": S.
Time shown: {"hour": 4, "minute": 21}
